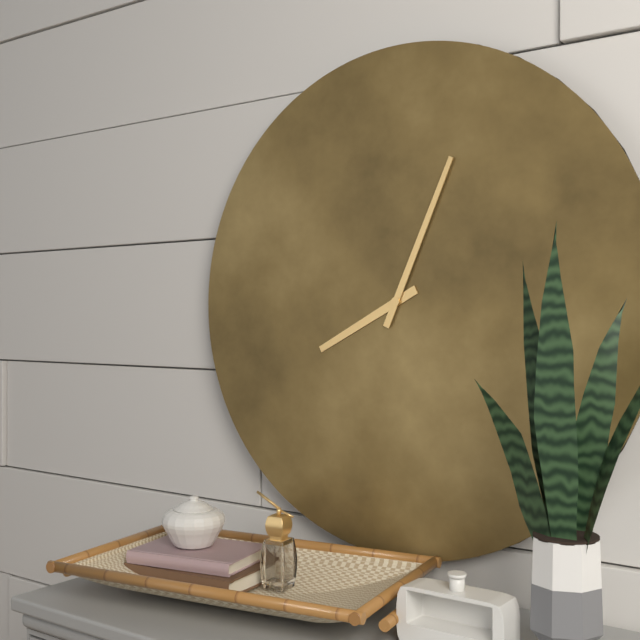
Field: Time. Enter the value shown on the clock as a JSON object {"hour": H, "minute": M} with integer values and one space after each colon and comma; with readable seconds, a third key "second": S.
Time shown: {"hour": 8, "minute": 4}
